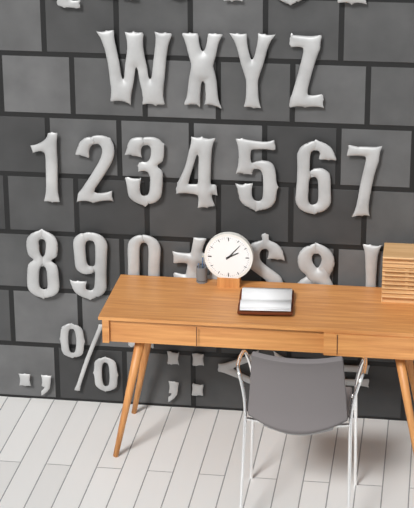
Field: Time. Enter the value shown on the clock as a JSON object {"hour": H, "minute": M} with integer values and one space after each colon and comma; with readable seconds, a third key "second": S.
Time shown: {"hour": 2, "minute": 7}
